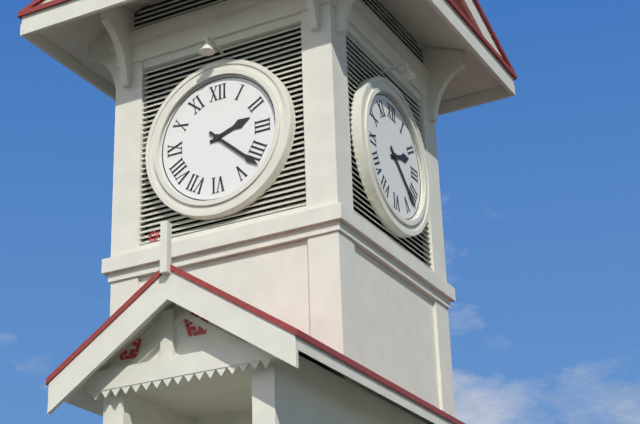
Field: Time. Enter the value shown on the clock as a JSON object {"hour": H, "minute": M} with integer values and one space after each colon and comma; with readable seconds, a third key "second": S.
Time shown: {"hour": 2, "minute": 22}
